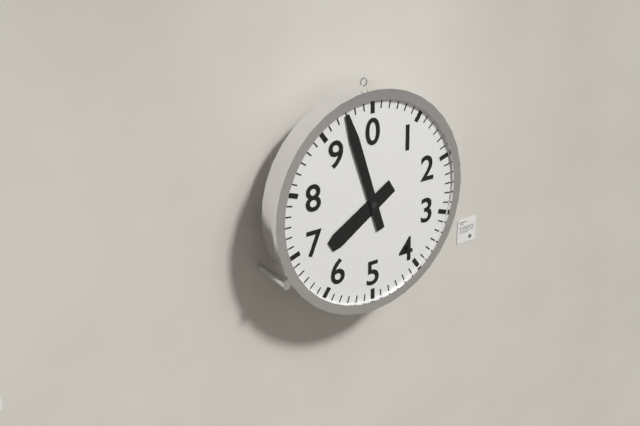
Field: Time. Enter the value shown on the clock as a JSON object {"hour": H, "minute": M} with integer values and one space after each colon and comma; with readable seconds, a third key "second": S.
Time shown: {"hour": 7, "minute": 57}
